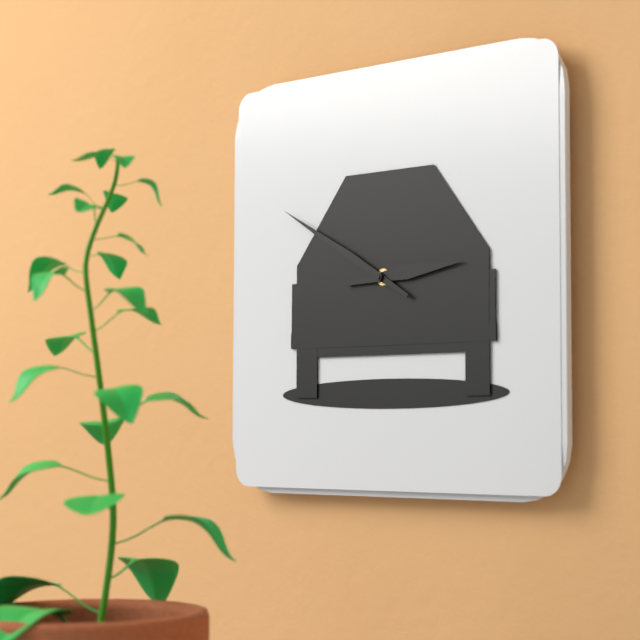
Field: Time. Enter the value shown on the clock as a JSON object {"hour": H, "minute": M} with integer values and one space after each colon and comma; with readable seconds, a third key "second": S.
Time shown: {"hour": 2, "minute": 50}
